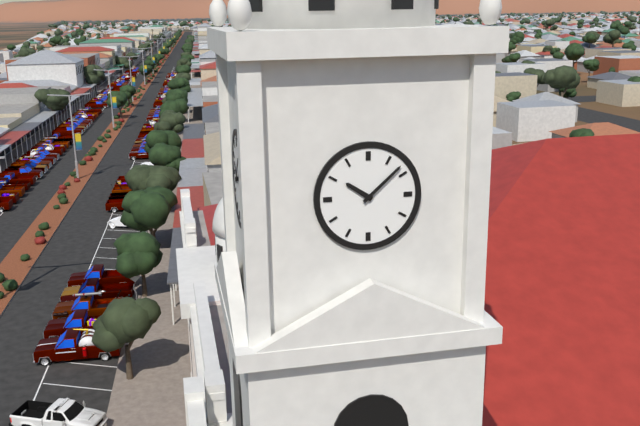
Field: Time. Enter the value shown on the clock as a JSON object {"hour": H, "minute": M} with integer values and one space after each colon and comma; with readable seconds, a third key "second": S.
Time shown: {"hour": 10, "minute": 8}
